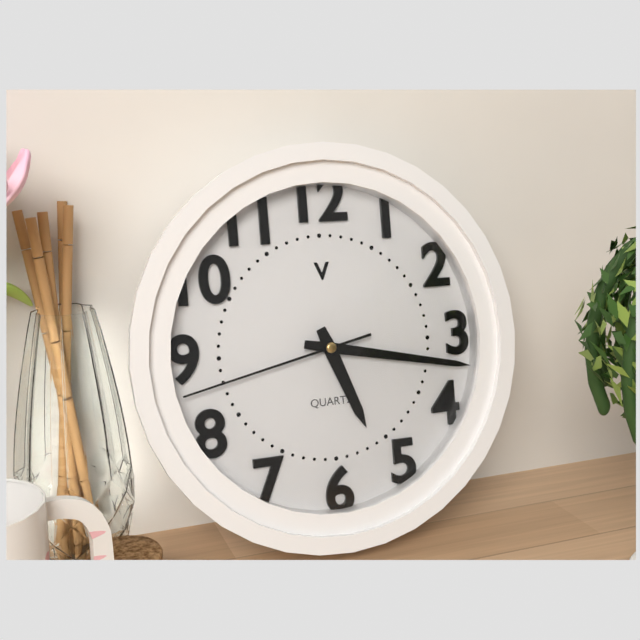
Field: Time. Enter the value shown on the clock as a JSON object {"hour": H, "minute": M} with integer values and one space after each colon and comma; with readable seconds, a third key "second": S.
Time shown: {"hour": 5, "minute": 17, "second": 43}
